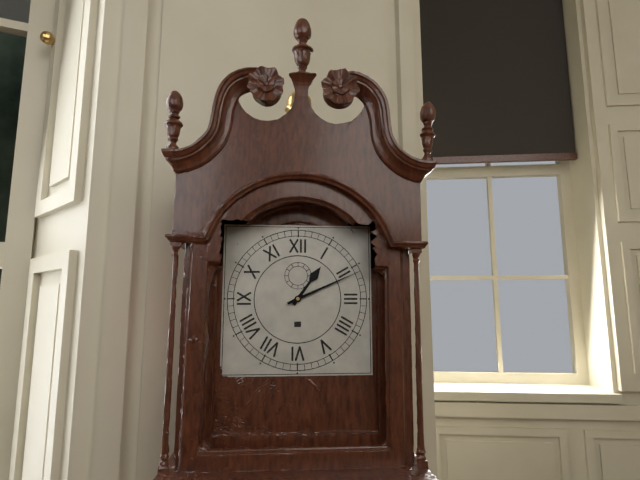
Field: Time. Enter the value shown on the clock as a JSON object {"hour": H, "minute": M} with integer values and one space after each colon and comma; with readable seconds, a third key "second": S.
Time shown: {"hour": 1, "minute": 11}
